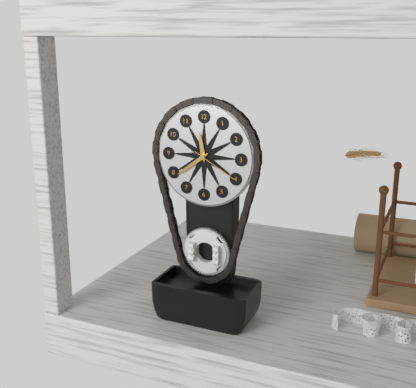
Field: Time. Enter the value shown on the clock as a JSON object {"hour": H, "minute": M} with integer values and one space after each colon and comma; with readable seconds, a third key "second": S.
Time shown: {"hour": 11, "minute": 39}
